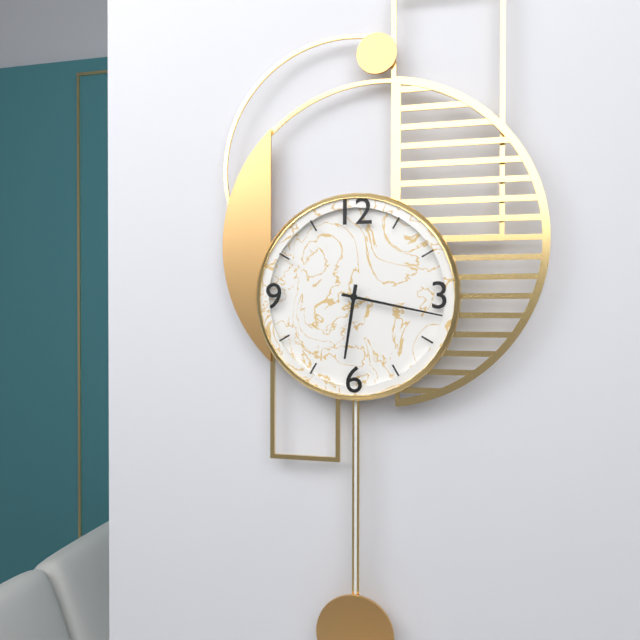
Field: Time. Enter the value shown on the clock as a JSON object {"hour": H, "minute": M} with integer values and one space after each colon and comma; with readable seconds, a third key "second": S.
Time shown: {"hour": 6, "minute": 17}
